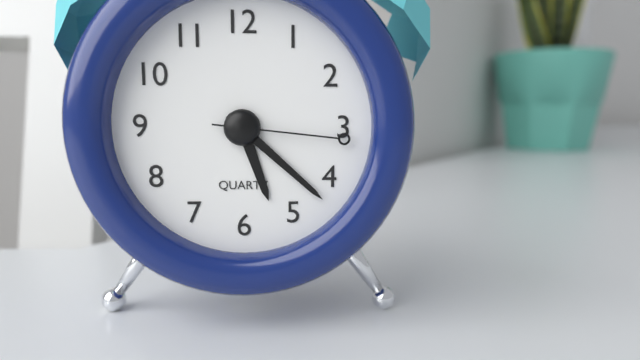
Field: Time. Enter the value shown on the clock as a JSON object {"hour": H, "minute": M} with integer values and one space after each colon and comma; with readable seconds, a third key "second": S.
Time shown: {"hour": 5, "minute": 22, "second": 16}
